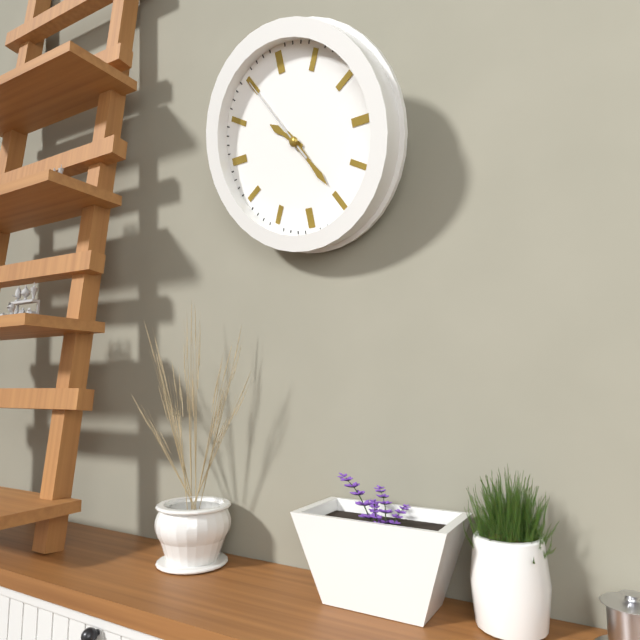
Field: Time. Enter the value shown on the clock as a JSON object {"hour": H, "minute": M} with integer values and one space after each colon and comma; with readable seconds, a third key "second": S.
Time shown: {"hour": 10, "minute": 25, "second": 55}
